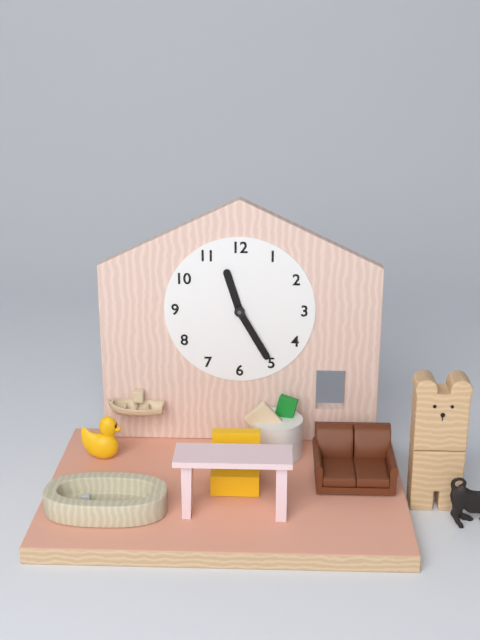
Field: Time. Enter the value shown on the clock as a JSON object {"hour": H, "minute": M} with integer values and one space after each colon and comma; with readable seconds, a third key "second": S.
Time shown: {"hour": 11, "minute": 25}
